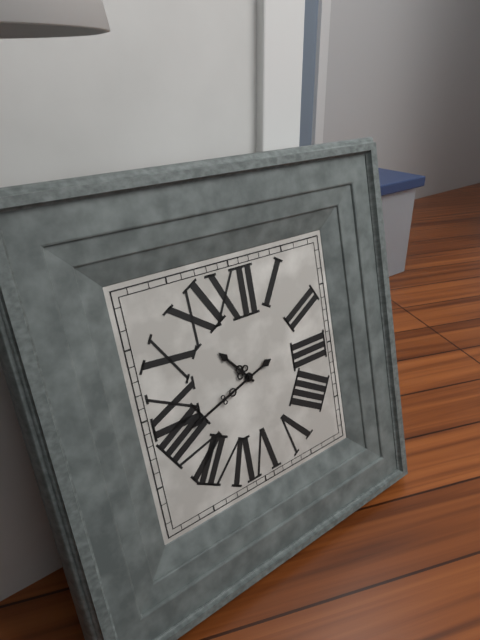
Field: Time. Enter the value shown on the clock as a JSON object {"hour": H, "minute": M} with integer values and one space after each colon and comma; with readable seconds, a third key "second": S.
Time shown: {"hour": 10, "minute": 42}
